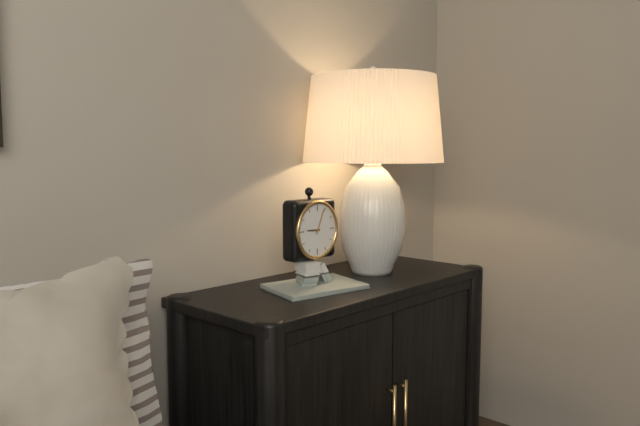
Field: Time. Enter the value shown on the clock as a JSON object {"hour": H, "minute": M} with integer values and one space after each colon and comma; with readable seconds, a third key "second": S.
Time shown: {"hour": 9, "minute": 4}
